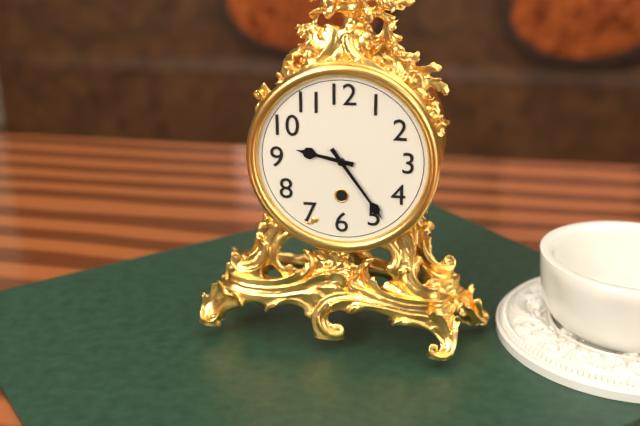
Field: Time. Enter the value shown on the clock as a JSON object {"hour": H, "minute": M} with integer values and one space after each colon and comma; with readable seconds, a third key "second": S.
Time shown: {"hour": 9, "minute": 24}
